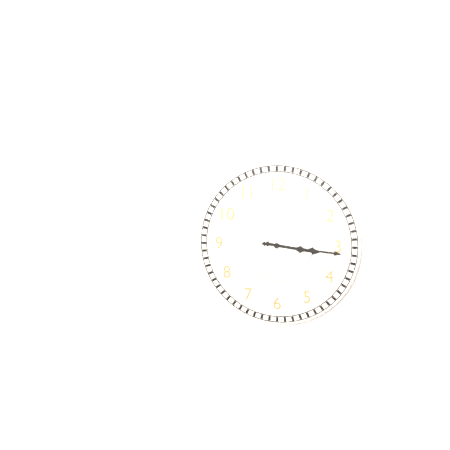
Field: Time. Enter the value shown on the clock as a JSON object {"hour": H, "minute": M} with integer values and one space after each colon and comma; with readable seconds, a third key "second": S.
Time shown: {"hour": 3, "minute": 16}
